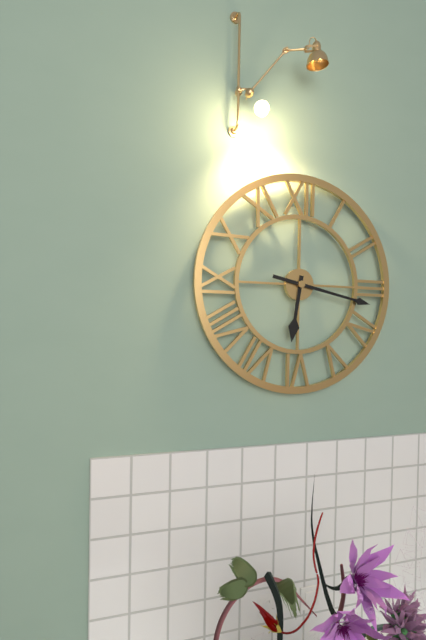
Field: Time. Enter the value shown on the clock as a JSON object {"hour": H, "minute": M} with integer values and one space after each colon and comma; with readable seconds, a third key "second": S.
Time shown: {"hour": 6, "minute": 17}
